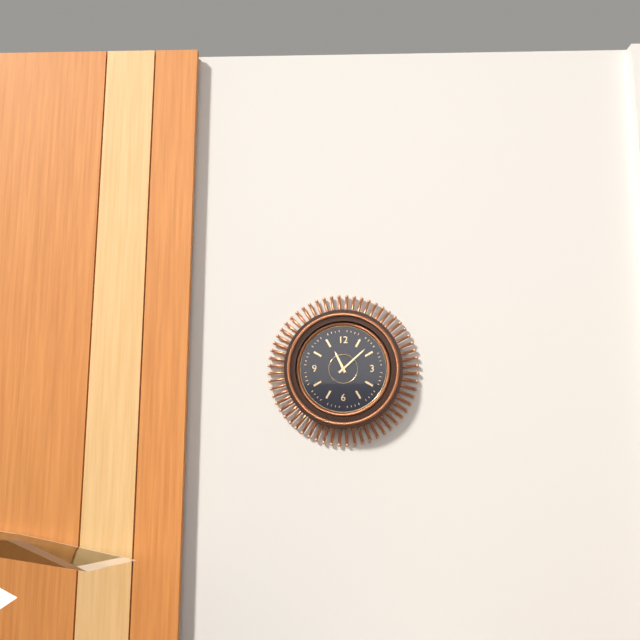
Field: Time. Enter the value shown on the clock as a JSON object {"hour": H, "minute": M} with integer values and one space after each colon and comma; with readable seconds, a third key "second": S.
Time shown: {"hour": 11, "minute": 8}
